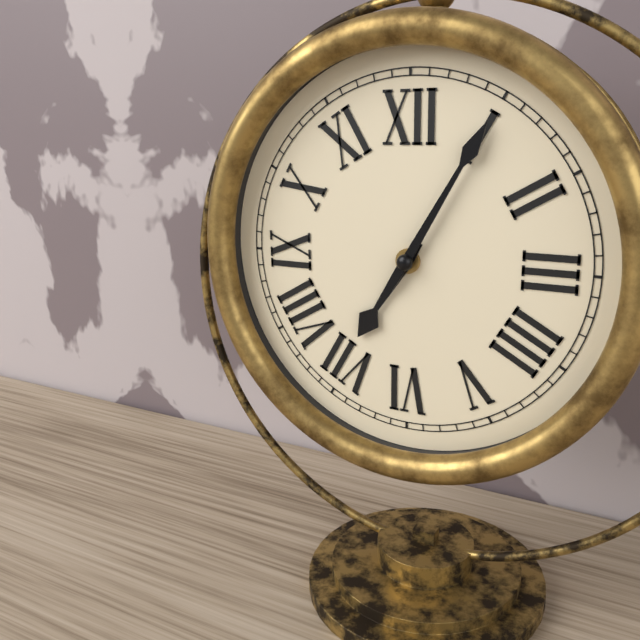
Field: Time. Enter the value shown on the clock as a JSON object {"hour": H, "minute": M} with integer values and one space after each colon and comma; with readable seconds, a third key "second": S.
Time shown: {"hour": 7, "minute": 5}
